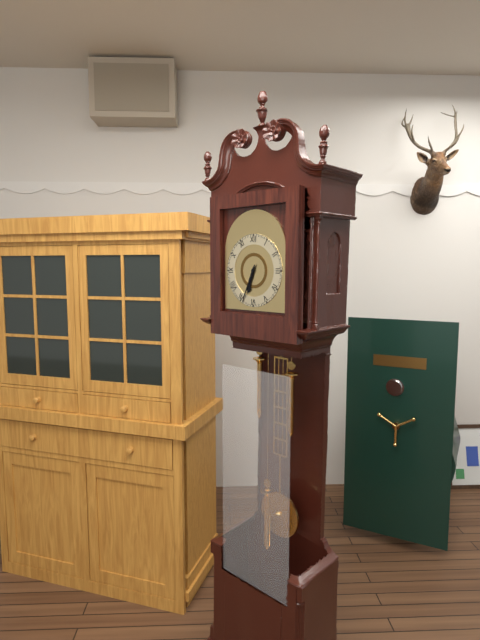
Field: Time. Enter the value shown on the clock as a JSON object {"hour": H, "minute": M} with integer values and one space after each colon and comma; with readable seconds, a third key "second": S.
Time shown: {"hour": 6, "minute": 34}
